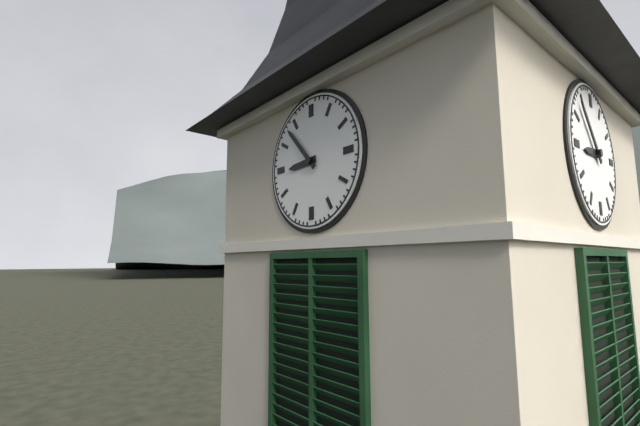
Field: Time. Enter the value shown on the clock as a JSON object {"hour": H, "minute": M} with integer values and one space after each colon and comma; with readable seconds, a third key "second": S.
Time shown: {"hour": 8, "minute": 53}
